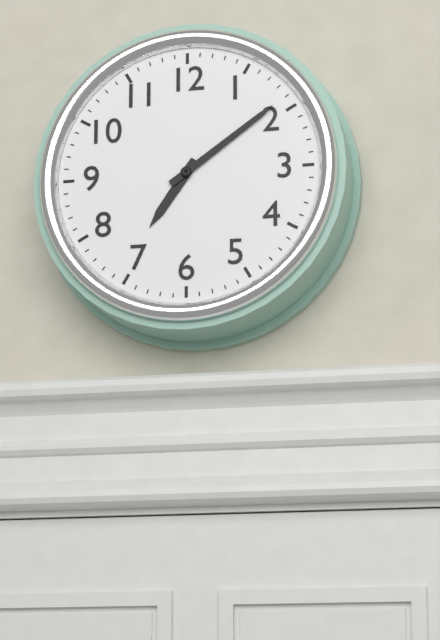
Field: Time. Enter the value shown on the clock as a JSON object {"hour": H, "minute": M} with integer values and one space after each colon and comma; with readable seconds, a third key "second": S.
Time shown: {"hour": 7, "minute": 9}
